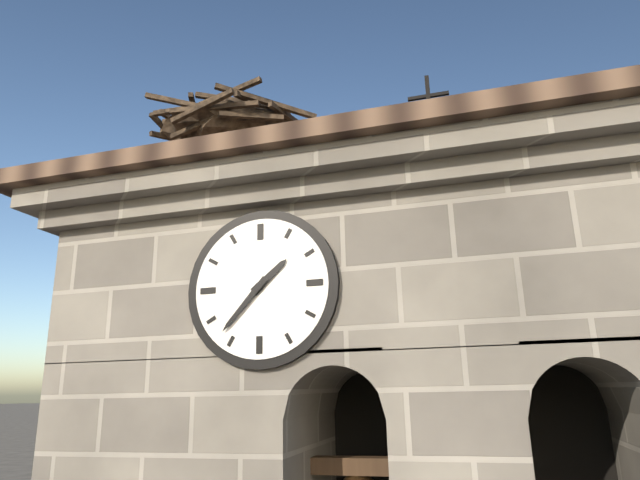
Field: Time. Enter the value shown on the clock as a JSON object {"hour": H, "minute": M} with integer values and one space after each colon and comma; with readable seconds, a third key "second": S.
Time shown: {"hour": 1, "minute": 37}
